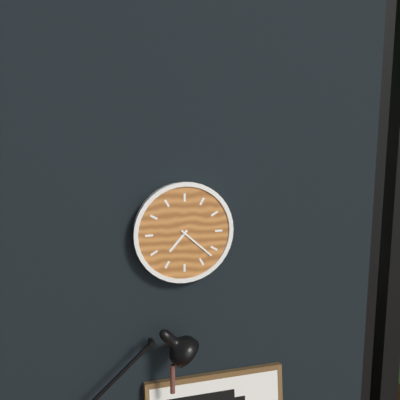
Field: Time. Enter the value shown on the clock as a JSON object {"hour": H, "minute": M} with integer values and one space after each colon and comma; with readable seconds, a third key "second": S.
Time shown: {"hour": 7, "minute": 22}
